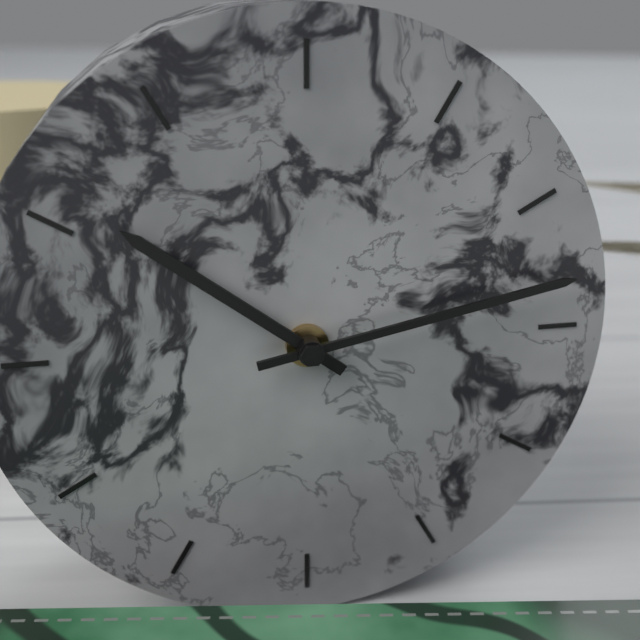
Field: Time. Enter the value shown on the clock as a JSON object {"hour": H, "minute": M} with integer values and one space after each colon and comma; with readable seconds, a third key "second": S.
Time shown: {"hour": 10, "minute": 13}
